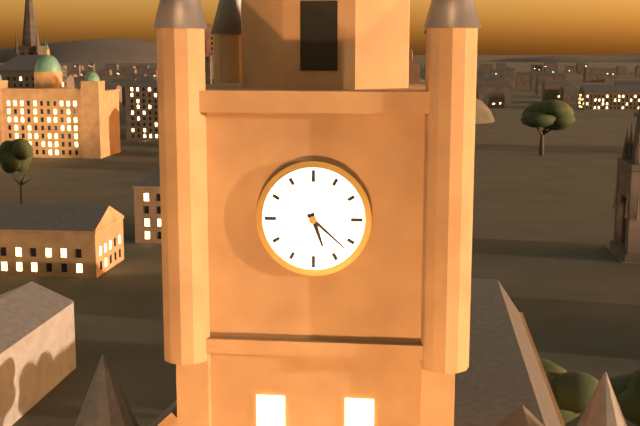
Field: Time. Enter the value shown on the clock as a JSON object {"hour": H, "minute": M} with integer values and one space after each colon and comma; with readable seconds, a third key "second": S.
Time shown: {"hour": 5, "minute": 22}
